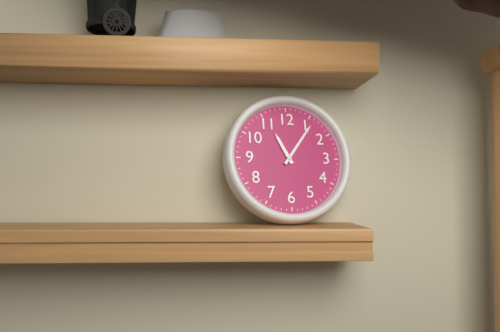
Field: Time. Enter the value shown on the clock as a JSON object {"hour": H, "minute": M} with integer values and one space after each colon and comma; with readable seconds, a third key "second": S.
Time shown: {"hour": 11, "minute": 6}
